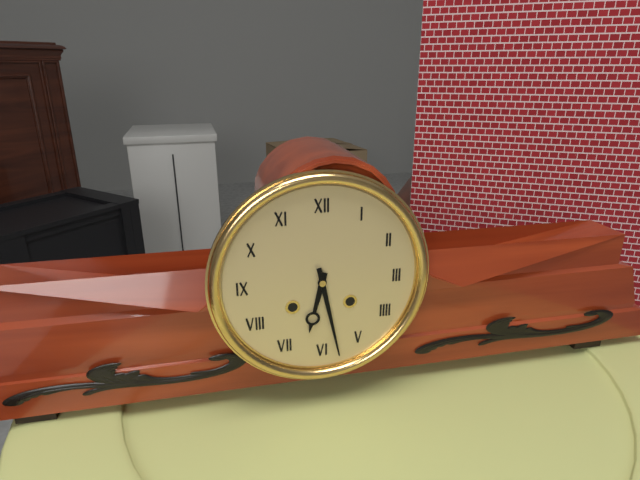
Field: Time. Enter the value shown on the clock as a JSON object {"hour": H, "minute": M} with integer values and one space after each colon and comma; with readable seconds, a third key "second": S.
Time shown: {"hour": 6, "minute": 28}
